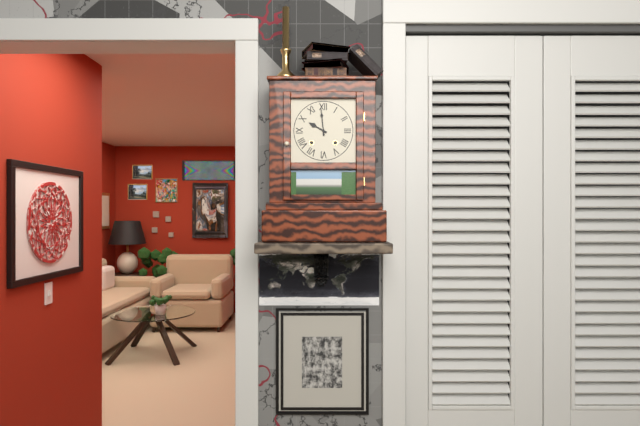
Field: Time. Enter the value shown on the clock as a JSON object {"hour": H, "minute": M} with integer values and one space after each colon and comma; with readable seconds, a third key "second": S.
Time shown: {"hour": 9, "minute": 59}
